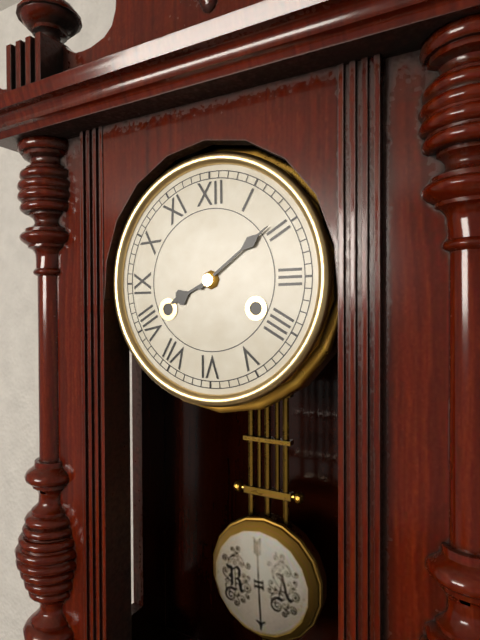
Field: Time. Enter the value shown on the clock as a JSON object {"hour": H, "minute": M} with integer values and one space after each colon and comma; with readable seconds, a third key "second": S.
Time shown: {"hour": 8, "minute": 9}
